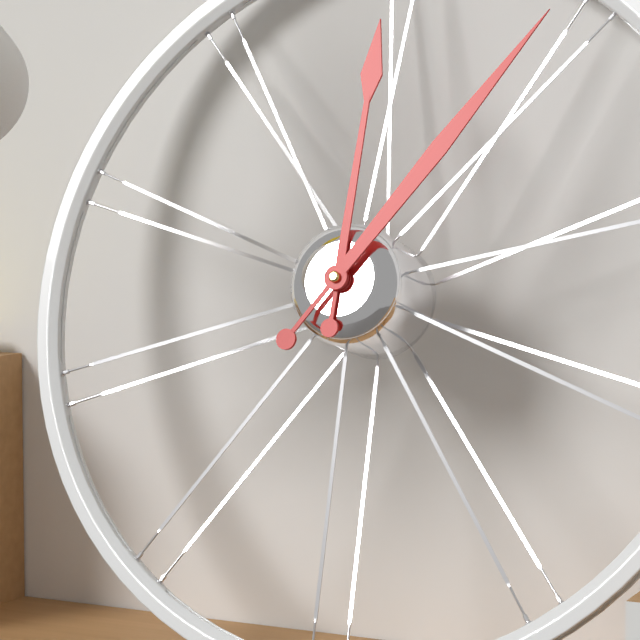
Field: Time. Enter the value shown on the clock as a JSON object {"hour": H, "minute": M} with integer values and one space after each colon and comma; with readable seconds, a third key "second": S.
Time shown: {"hour": 12, "minute": 6}
